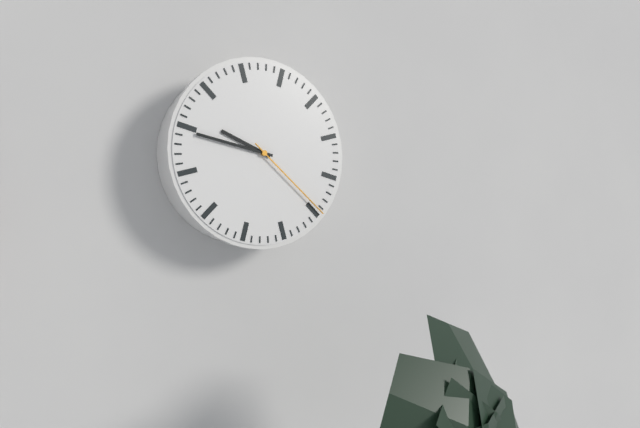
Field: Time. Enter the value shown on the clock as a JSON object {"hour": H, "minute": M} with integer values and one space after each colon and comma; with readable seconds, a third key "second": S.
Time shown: {"hour": 9, "minute": 47, "second": 22}
